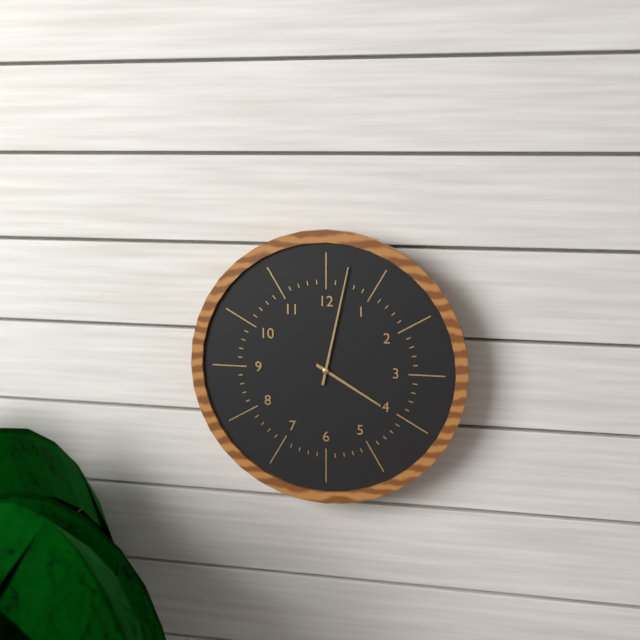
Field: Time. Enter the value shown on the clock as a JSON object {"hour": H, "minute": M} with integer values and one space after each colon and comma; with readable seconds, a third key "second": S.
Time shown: {"hour": 4, "minute": 2}
